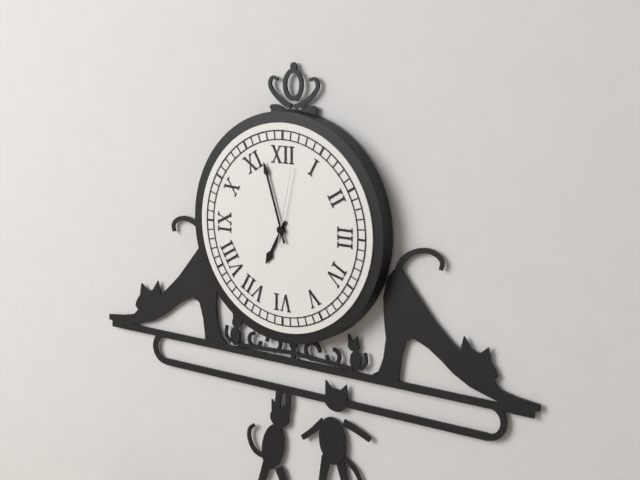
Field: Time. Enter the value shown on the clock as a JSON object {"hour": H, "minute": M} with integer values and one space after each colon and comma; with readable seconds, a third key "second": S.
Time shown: {"hour": 6, "minute": 57, "second": 2}
